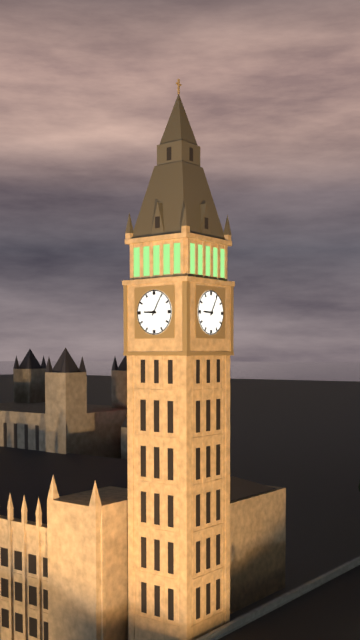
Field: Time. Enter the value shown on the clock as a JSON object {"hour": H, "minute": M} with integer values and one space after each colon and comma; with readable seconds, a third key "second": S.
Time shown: {"hour": 9, "minute": 5}
